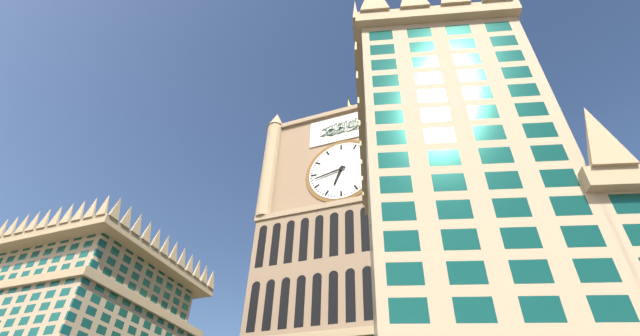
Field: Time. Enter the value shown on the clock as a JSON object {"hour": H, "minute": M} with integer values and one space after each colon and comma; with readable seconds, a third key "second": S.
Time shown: {"hour": 6, "minute": 43}
